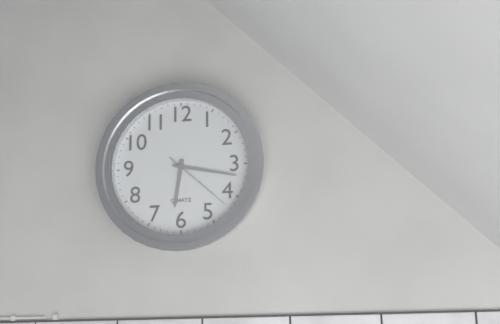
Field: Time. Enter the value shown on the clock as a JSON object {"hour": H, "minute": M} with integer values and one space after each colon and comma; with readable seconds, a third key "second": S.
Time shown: {"hour": 6, "minute": 17, "second": 22}
